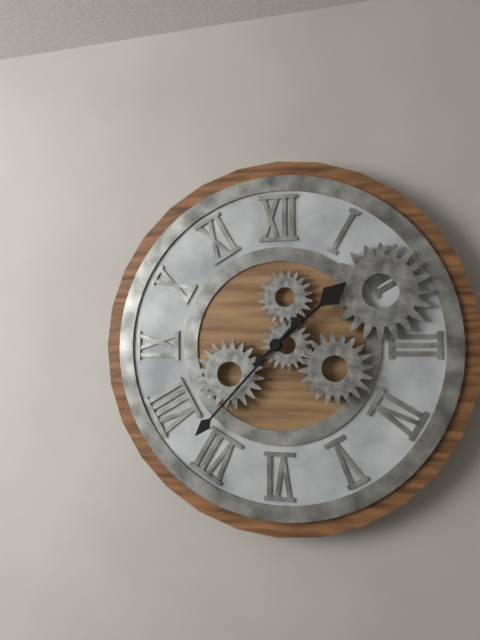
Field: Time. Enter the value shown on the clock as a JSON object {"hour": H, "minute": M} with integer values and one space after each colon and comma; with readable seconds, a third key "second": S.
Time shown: {"hour": 1, "minute": 37}
